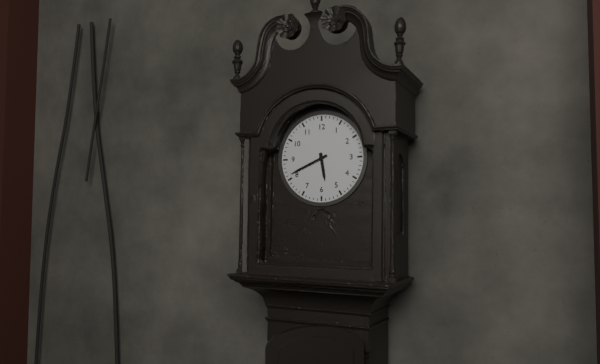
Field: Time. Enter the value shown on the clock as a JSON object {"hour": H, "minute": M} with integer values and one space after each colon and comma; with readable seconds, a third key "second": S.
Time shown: {"hour": 5, "minute": 41}
